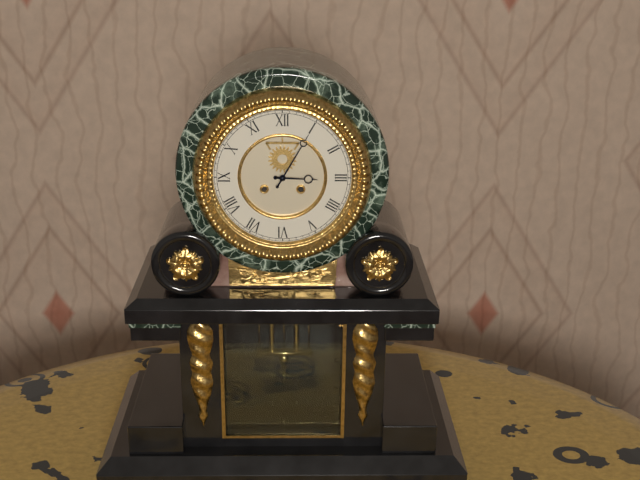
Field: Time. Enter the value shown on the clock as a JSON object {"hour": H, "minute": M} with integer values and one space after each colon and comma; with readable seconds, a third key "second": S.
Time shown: {"hour": 3, "minute": 5}
